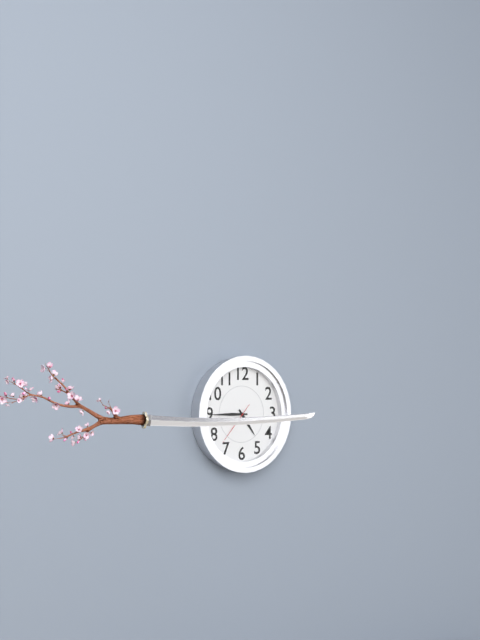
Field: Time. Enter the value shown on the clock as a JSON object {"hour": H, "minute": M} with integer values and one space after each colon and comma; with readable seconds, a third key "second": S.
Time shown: {"hour": 4, "minute": 45}
